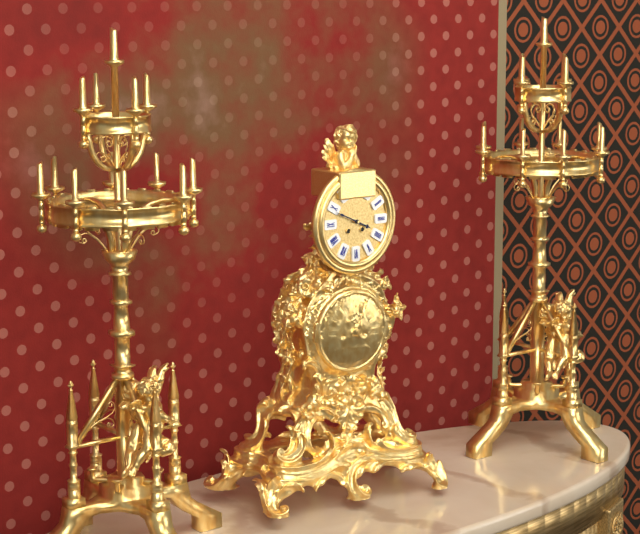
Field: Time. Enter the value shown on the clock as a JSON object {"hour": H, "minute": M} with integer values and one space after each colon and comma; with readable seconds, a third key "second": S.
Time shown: {"hour": 3, "minute": 49}
